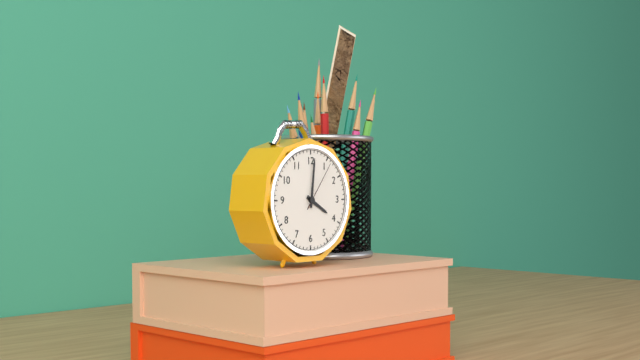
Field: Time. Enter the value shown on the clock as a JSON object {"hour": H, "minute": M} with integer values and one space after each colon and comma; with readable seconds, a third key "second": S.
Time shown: {"hour": 4, "minute": 1, "second": 6}
